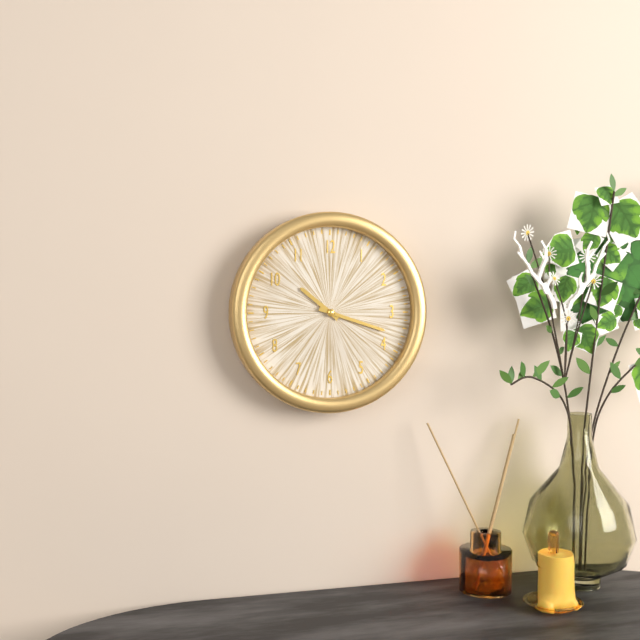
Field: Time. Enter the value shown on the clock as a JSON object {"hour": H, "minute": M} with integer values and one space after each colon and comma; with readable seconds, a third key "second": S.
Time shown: {"hour": 10, "minute": 18}
